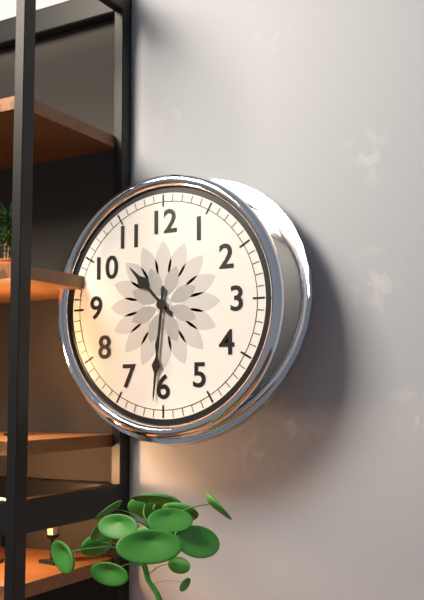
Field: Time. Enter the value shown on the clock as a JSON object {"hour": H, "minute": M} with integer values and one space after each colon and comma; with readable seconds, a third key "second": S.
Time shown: {"hour": 10, "minute": 31}
